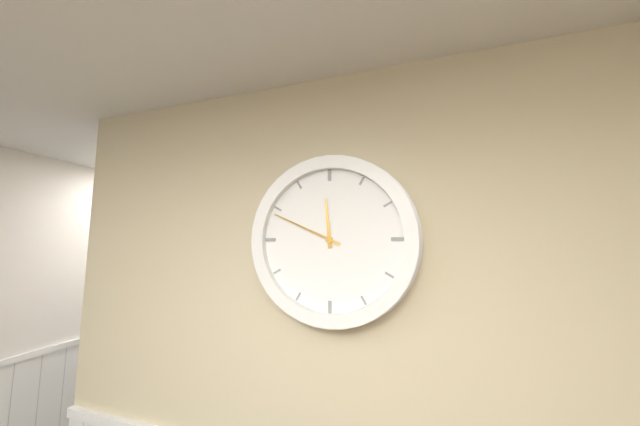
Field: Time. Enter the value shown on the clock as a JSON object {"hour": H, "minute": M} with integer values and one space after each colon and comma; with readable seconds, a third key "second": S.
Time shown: {"hour": 11, "minute": 49}
